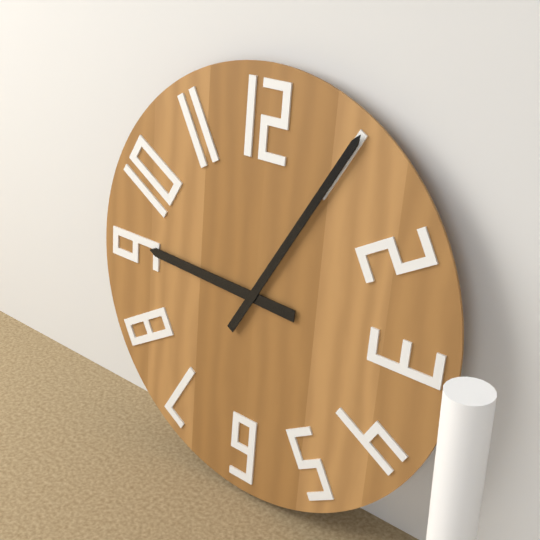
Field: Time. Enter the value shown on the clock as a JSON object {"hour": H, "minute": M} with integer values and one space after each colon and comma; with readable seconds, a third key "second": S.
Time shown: {"hour": 9, "minute": 5}
